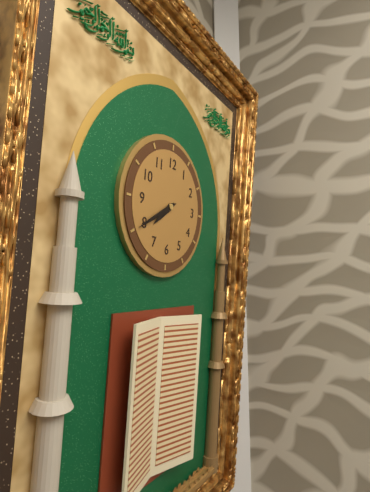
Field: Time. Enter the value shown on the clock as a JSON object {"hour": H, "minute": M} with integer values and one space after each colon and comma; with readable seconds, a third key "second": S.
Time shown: {"hour": 7, "minute": 40}
